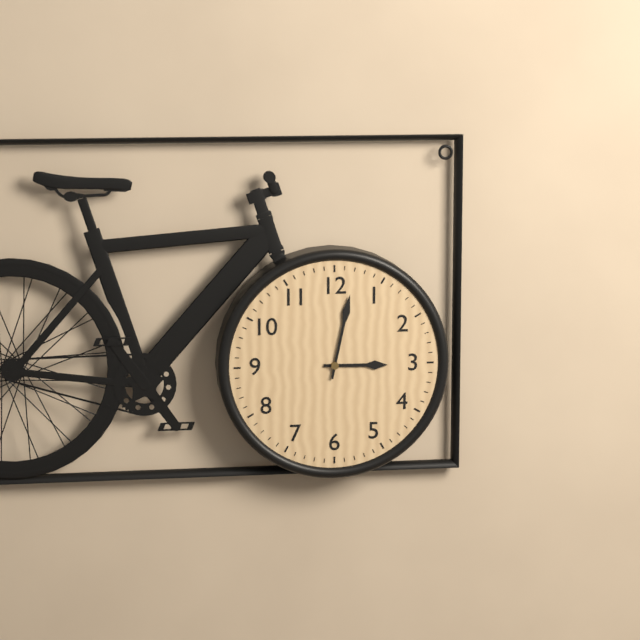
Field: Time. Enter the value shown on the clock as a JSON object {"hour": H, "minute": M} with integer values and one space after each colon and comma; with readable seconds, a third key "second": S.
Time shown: {"hour": 3, "minute": 2}
